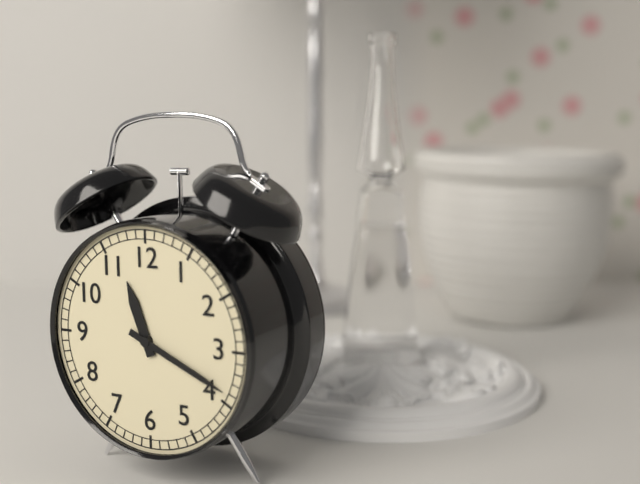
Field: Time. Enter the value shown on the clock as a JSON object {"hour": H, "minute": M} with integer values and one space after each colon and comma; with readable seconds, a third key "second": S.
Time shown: {"hour": 11, "minute": 19}
